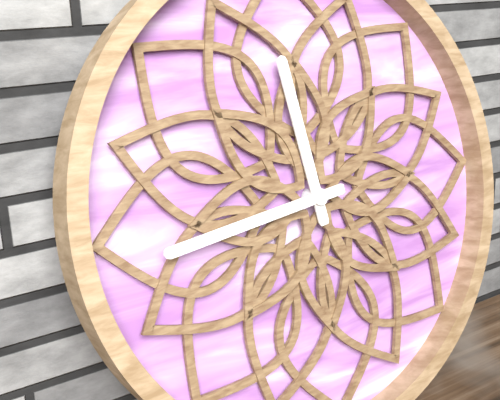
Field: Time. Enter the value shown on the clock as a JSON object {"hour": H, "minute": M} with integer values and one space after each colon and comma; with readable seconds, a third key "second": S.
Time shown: {"hour": 11, "minute": 44}
